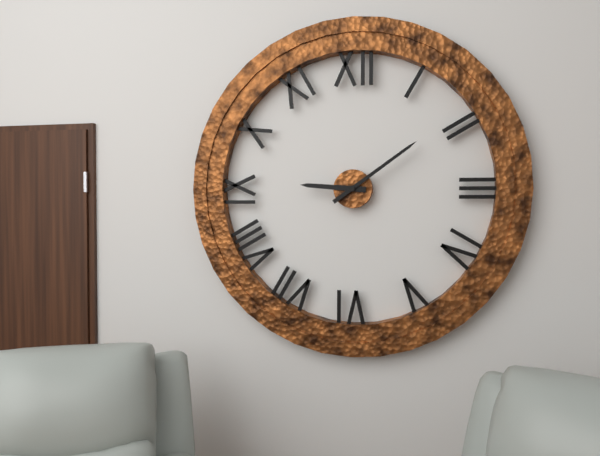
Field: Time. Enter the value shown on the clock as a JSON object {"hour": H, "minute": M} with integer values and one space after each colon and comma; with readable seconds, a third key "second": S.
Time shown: {"hour": 9, "minute": 9}
